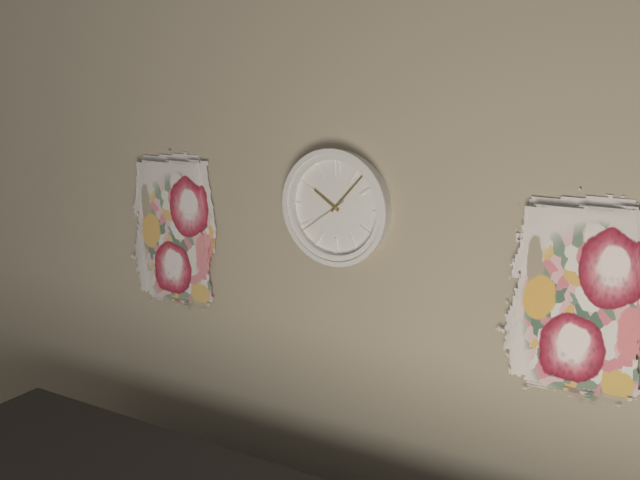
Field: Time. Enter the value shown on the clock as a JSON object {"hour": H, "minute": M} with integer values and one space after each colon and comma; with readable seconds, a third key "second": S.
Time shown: {"hour": 10, "minute": 7, "second": 39}
